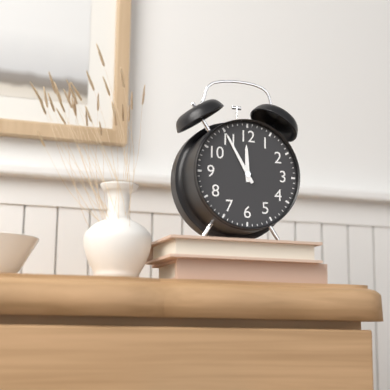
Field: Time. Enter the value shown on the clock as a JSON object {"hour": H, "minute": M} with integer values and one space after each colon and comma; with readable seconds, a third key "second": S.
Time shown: {"hour": 11, "minute": 55}
